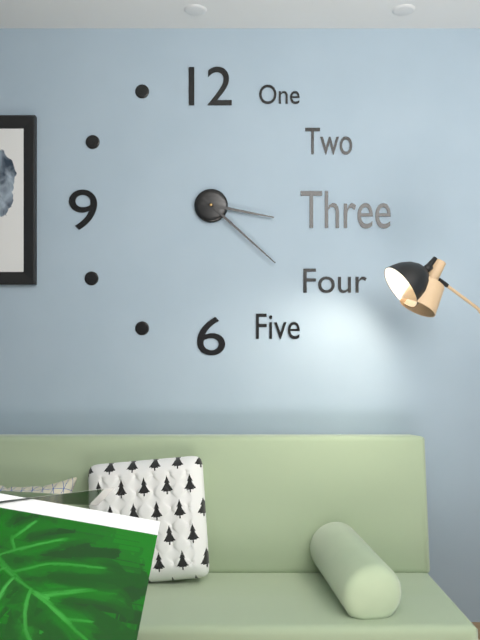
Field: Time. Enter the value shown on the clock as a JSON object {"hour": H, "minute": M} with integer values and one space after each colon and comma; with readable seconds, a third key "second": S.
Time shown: {"hour": 3, "minute": 22}
